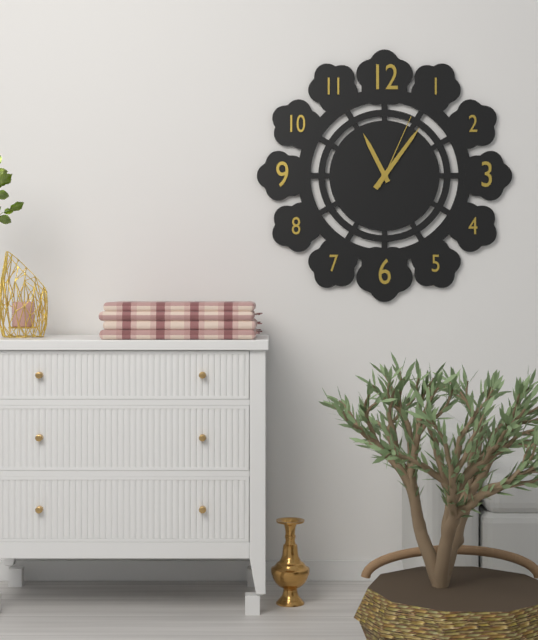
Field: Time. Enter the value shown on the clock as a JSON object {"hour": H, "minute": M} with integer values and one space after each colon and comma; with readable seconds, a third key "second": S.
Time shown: {"hour": 11, "minute": 6, "second": 4}
